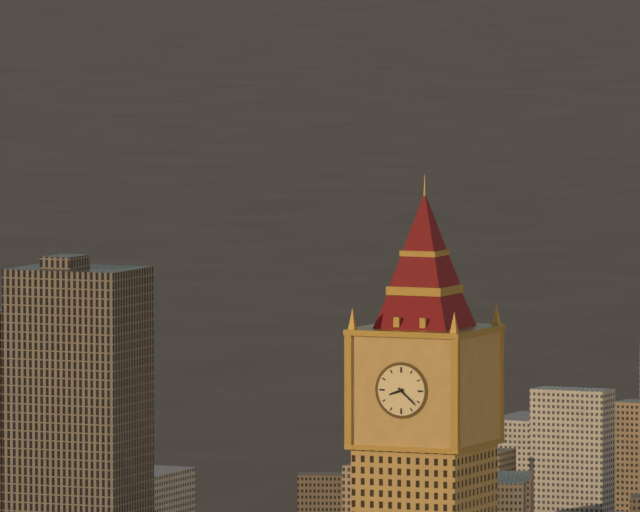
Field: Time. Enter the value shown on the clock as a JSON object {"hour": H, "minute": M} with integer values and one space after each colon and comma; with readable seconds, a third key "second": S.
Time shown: {"hour": 8, "minute": 22}
